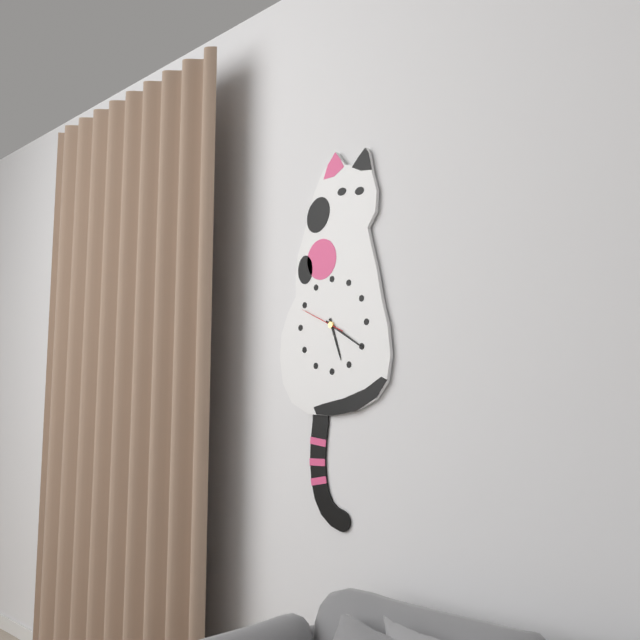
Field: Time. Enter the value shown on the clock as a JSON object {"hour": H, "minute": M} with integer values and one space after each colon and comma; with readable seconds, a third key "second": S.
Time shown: {"hour": 5, "minute": 20}
